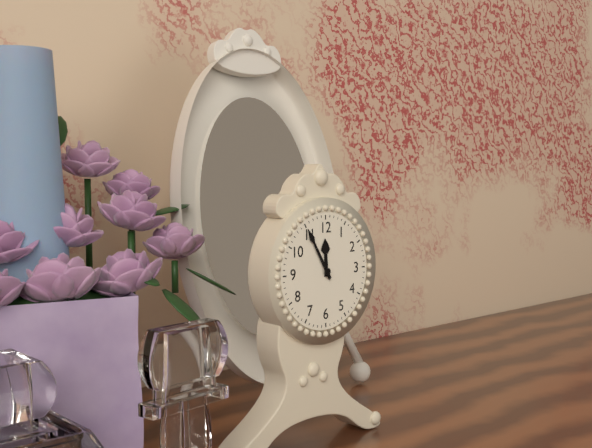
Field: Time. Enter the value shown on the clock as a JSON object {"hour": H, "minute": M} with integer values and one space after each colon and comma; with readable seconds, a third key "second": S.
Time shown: {"hour": 11, "minute": 55}
